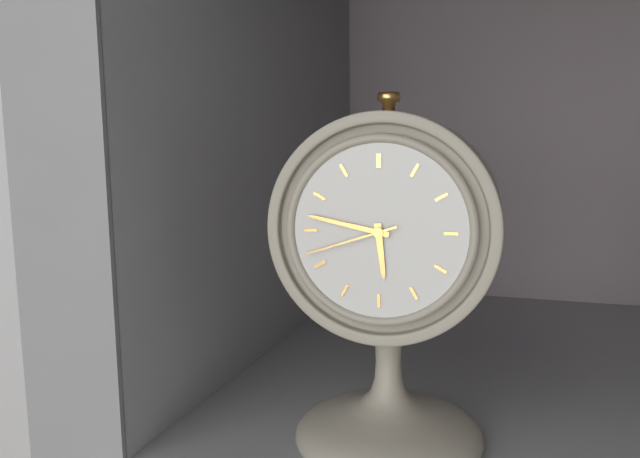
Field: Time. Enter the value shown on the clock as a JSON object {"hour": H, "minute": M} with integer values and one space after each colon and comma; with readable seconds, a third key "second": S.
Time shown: {"hour": 5, "minute": 47, "second": 42}
